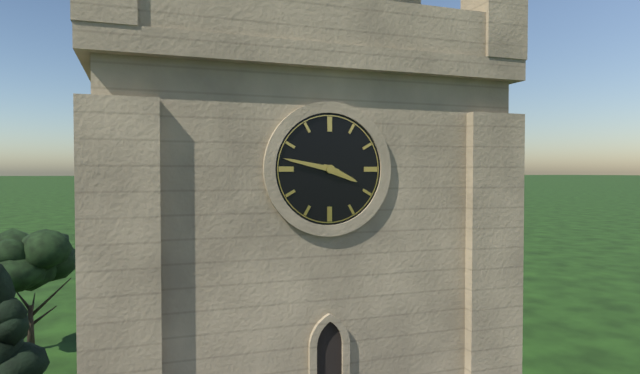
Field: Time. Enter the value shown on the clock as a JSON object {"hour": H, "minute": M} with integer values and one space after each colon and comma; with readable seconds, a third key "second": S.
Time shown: {"hour": 3, "minute": 47}
